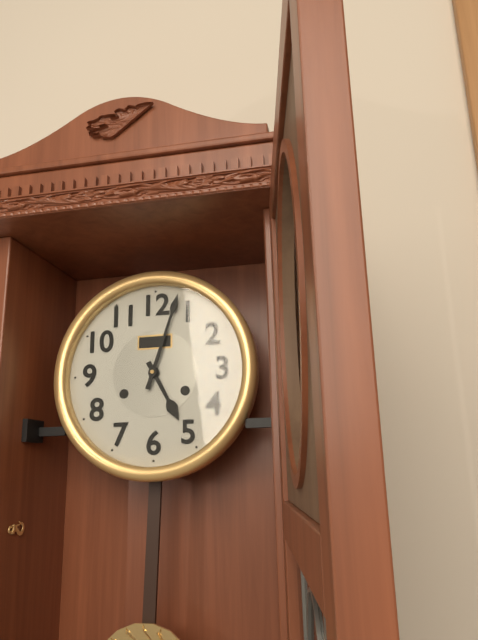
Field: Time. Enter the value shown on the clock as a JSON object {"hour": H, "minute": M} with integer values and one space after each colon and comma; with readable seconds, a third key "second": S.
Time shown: {"hour": 5, "minute": 3}
